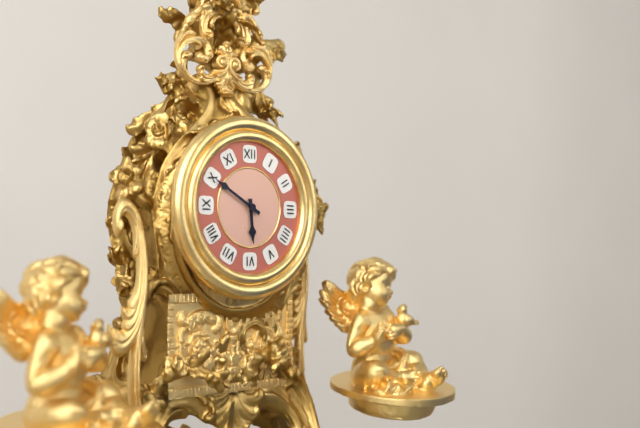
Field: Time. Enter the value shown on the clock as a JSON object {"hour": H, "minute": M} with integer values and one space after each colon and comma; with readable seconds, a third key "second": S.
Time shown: {"hour": 5, "minute": 50}
